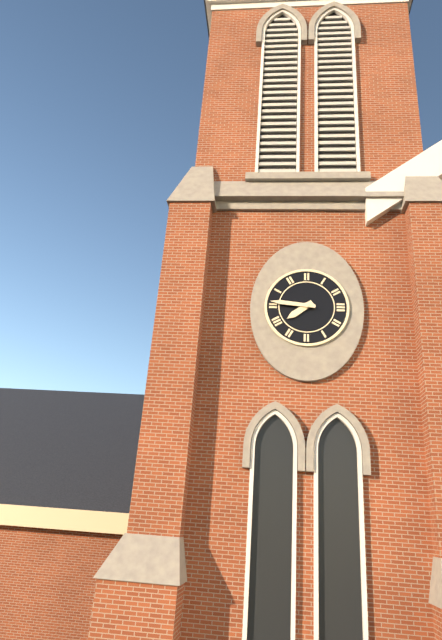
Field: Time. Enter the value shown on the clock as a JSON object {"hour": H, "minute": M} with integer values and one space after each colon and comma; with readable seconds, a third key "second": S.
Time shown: {"hour": 7, "minute": 46}
